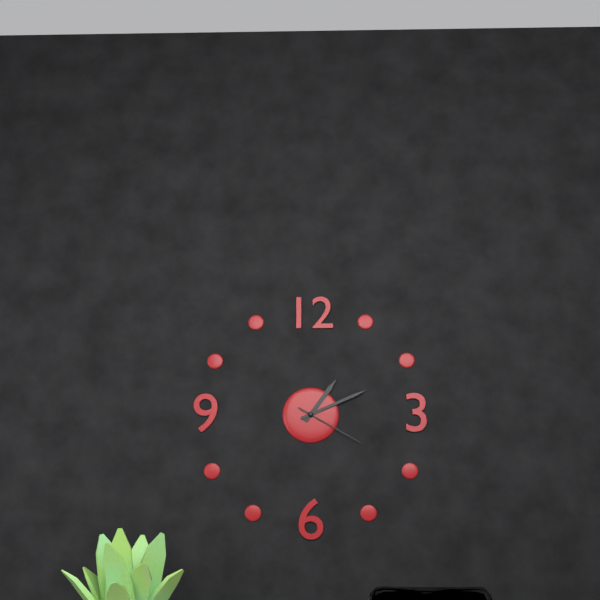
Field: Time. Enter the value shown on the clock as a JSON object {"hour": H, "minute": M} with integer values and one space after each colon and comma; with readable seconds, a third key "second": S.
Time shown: {"hour": 1, "minute": 11, "second": 20}
